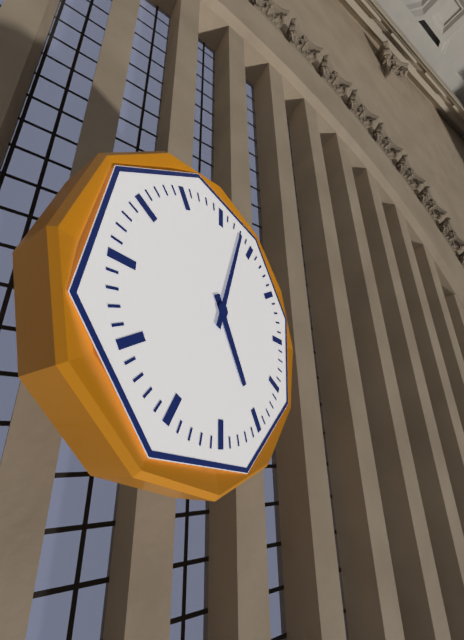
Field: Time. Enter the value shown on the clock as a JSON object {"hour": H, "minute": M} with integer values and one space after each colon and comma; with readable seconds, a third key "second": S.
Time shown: {"hour": 5, "minute": 3}
